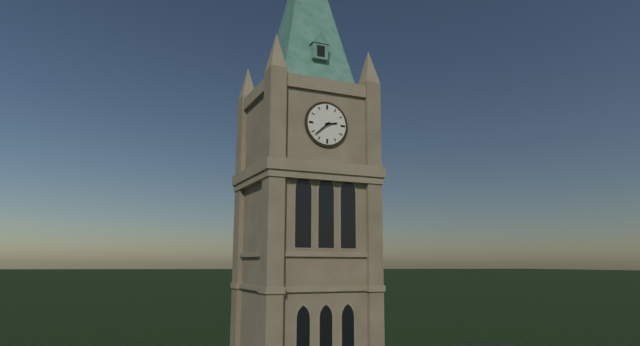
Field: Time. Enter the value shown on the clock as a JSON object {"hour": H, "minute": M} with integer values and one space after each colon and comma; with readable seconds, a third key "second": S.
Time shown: {"hour": 2, "minute": 38}
